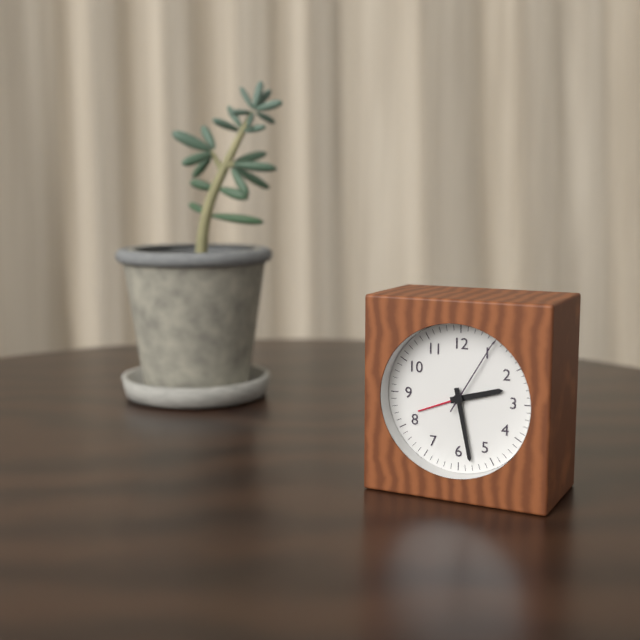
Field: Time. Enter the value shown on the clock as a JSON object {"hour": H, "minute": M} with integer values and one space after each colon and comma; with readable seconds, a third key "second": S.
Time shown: {"hour": 2, "minute": 28, "second": 5}
